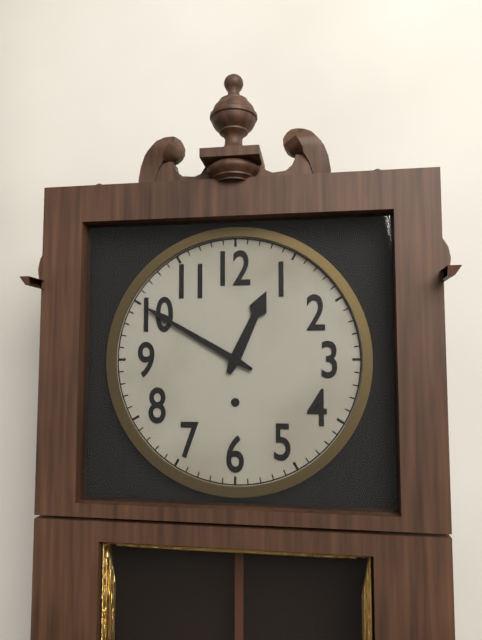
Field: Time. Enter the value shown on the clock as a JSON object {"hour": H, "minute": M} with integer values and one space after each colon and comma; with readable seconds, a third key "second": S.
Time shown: {"hour": 12, "minute": 50}
